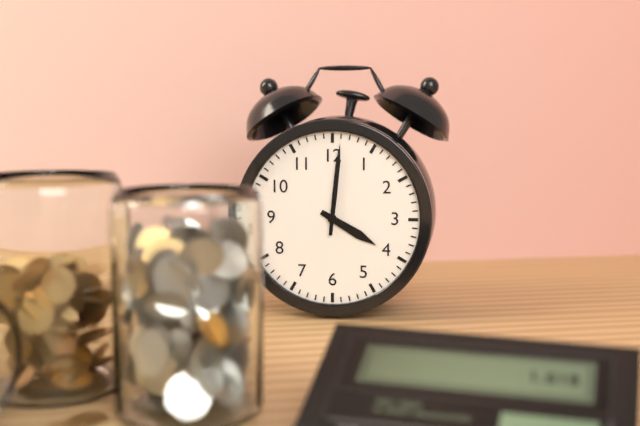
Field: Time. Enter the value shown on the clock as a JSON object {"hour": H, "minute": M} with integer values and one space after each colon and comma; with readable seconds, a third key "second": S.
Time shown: {"hour": 4, "minute": 1}
